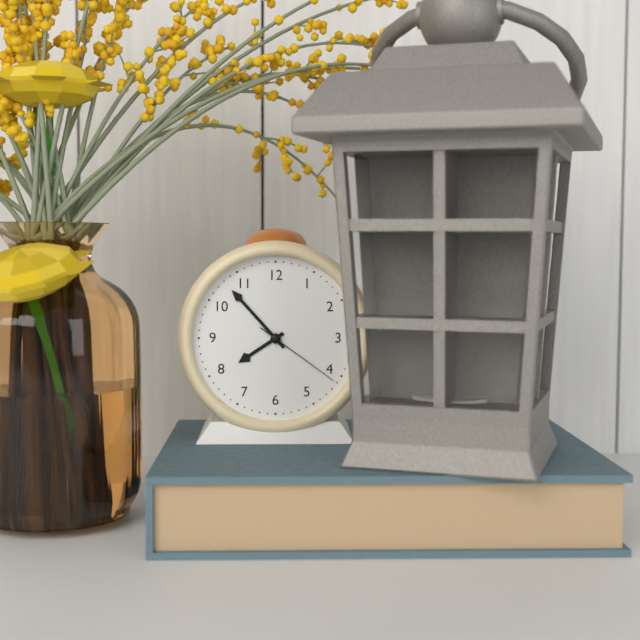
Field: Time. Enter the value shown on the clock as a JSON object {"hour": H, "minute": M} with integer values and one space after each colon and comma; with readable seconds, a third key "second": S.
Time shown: {"hour": 7, "minute": 53, "second": 21}
